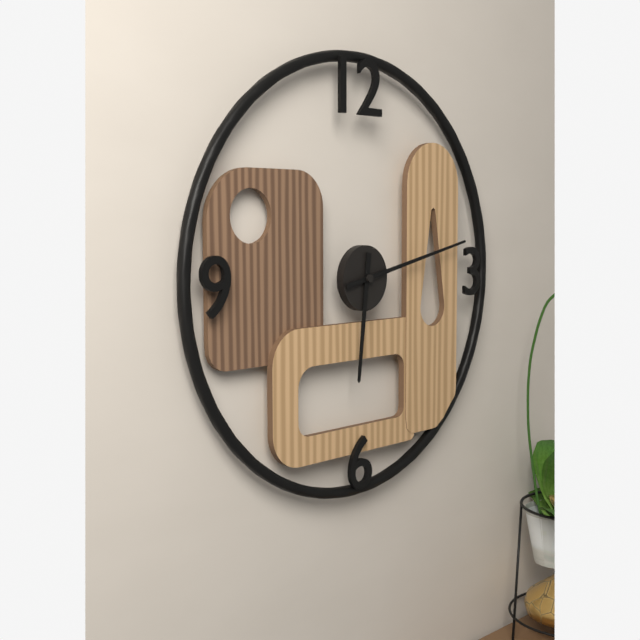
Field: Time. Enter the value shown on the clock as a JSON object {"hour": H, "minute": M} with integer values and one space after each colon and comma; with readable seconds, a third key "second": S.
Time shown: {"hour": 6, "minute": 13}
